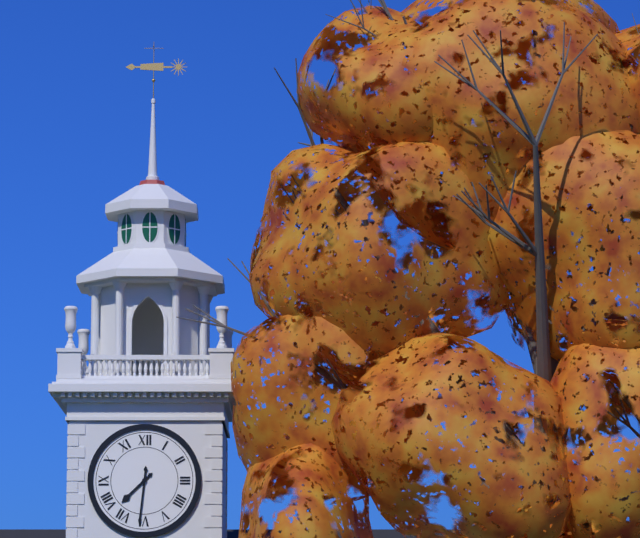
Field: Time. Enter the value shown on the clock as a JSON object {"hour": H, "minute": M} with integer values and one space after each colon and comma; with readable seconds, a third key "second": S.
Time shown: {"hour": 7, "minute": 31}
